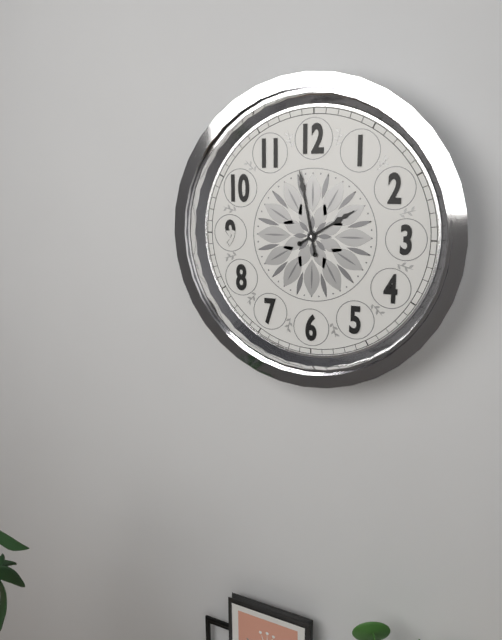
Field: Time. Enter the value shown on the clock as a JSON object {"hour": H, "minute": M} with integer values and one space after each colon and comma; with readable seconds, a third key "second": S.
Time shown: {"hour": 1, "minute": 58}
